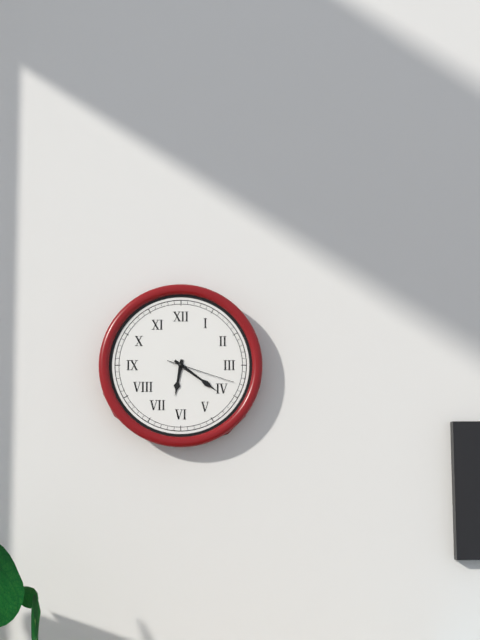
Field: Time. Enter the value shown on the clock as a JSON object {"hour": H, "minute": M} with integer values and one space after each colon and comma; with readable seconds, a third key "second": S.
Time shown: {"hour": 6, "minute": 21, "second": 18}
